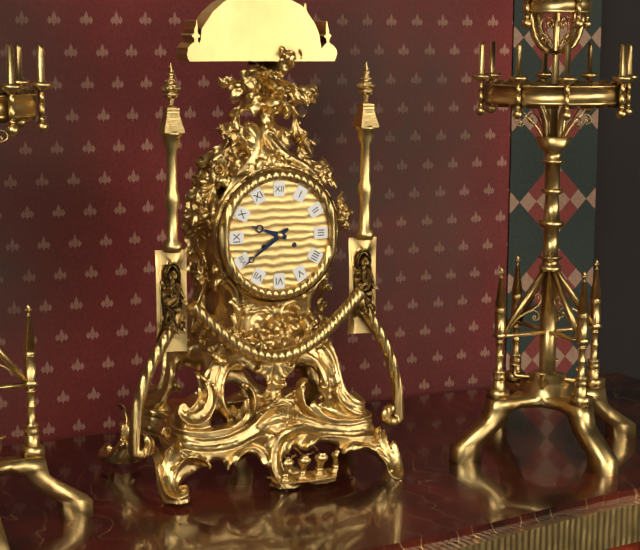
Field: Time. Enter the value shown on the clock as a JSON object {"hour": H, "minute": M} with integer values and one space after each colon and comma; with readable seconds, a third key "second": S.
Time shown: {"hour": 9, "minute": 39}
